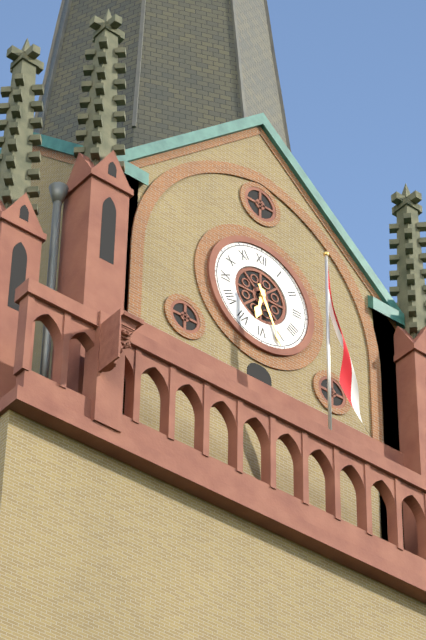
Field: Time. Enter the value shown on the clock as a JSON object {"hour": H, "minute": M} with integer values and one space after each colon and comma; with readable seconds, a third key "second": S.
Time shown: {"hour": 6, "minute": 26}
